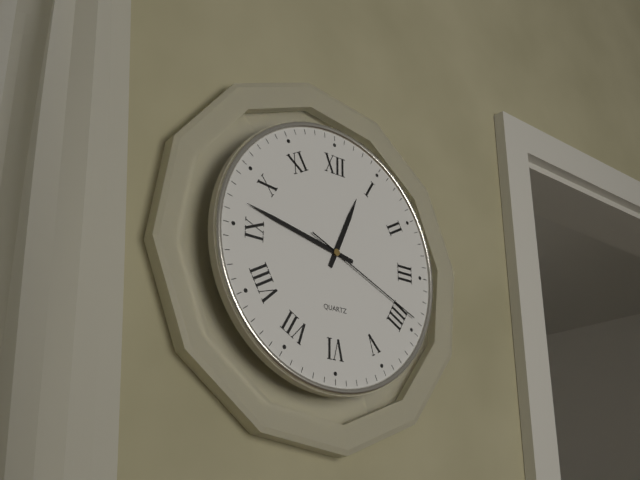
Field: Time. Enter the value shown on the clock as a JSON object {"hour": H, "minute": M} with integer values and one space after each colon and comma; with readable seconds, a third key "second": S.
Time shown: {"hour": 12, "minute": 47, "second": 19}
